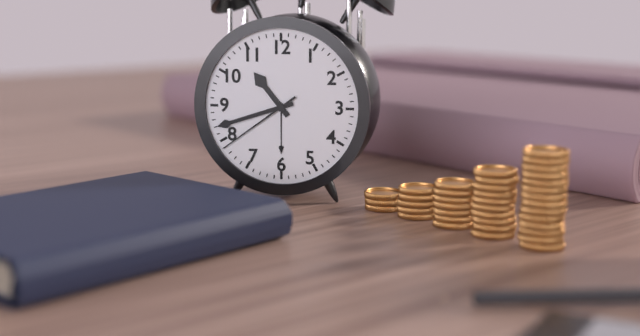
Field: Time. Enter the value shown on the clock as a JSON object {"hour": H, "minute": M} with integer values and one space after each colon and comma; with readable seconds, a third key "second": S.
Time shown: {"hour": 10, "minute": 42, "second": 39}
